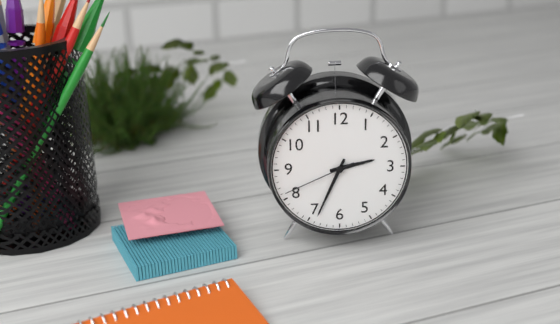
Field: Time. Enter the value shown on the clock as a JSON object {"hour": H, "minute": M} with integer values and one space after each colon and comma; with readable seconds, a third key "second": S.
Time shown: {"hour": 2, "minute": 34, "second": 41}
